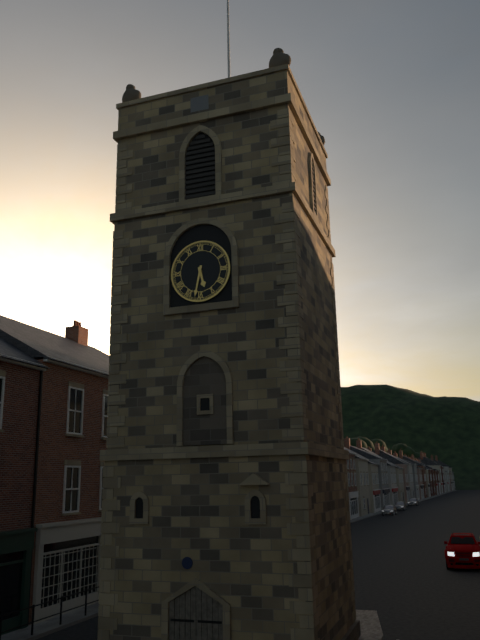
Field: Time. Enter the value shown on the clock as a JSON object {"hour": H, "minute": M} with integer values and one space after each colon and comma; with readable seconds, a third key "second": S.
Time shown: {"hour": 5, "minute": 32}
